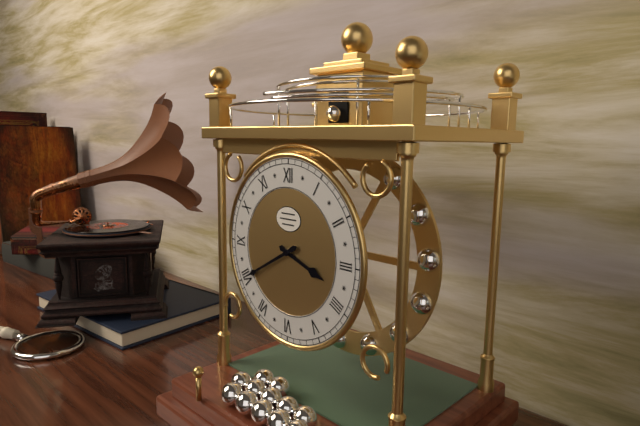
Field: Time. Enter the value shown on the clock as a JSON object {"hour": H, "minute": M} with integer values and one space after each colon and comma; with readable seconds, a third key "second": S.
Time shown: {"hour": 3, "minute": 40}
